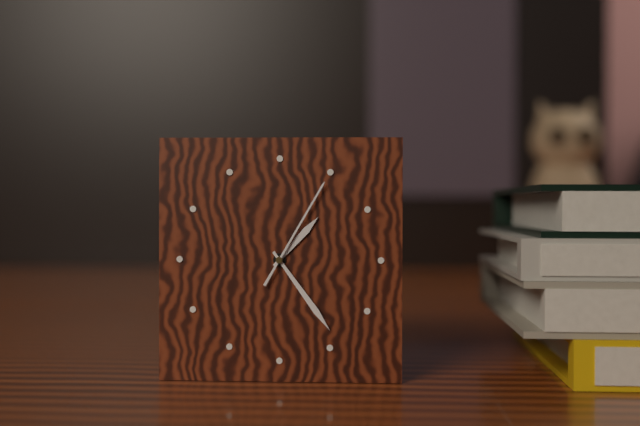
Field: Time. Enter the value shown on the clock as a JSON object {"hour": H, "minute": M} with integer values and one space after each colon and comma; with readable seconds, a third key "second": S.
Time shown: {"hour": 1, "minute": 24, "second": 5}
